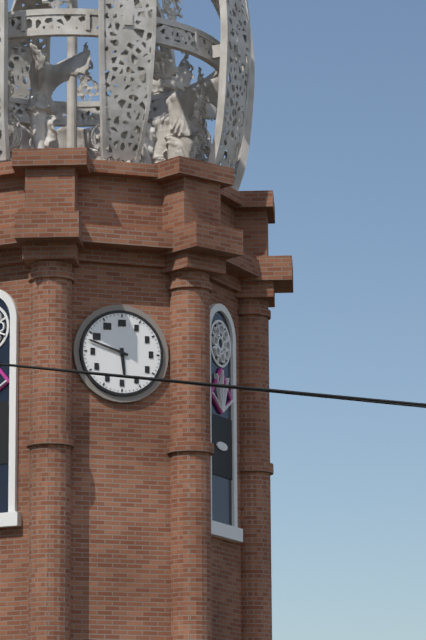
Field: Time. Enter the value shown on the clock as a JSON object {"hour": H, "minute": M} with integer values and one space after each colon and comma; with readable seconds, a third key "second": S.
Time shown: {"hour": 5, "minute": 48}
